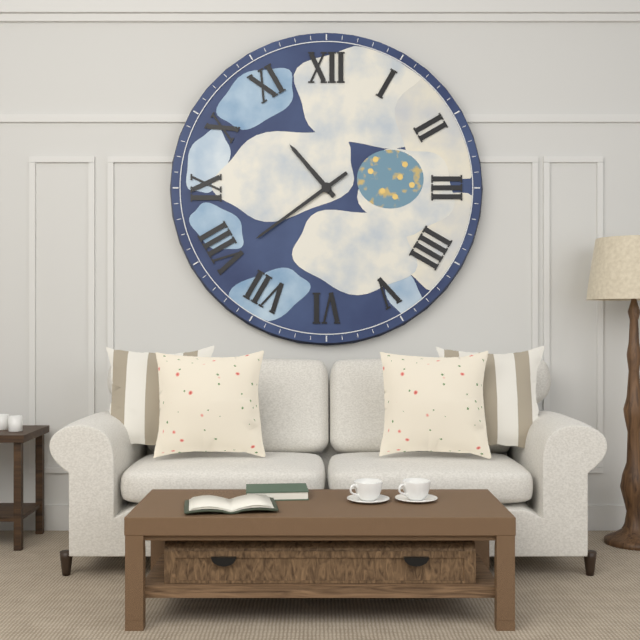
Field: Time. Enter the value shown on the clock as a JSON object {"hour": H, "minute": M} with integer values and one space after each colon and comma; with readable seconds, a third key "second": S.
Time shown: {"hour": 10, "minute": 39}
